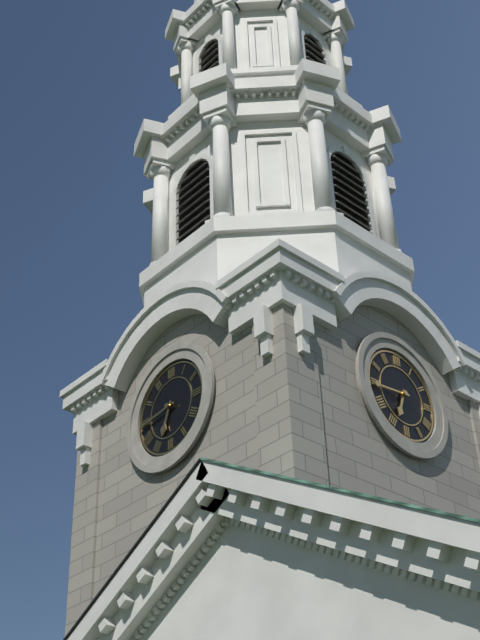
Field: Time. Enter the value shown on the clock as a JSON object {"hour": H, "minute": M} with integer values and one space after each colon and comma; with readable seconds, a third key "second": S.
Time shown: {"hour": 6, "minute": 44}
